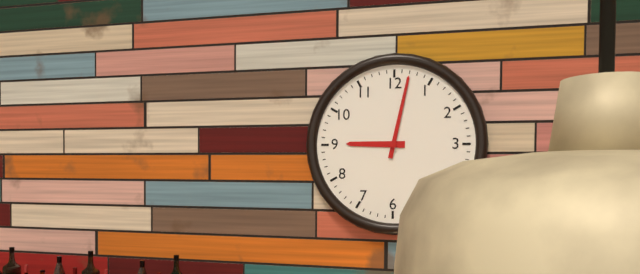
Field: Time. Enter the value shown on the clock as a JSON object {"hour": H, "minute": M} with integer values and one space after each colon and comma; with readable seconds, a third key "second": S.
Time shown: {"hour": 9, "minute": 2}
